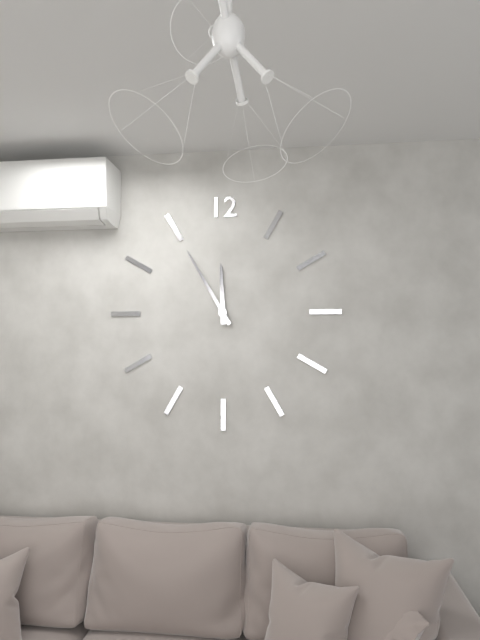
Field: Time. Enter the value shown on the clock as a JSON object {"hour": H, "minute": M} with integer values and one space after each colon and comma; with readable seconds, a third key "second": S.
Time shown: {"hour": 11, "minute": 55}
